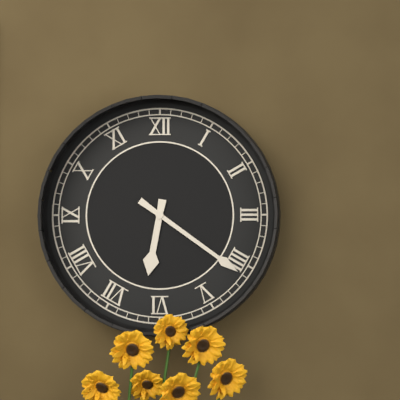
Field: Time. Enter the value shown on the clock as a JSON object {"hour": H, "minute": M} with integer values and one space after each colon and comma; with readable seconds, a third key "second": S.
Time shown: {"hour": 6, "minute": 21}
